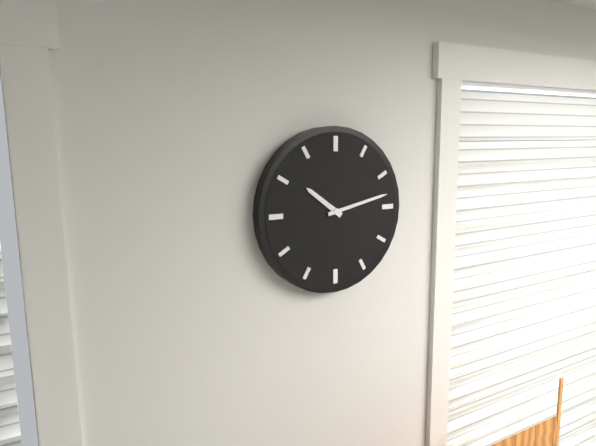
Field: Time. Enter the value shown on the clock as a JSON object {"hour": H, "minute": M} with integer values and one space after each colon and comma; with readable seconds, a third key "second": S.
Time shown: {"hour": 10, "minute": 13}
